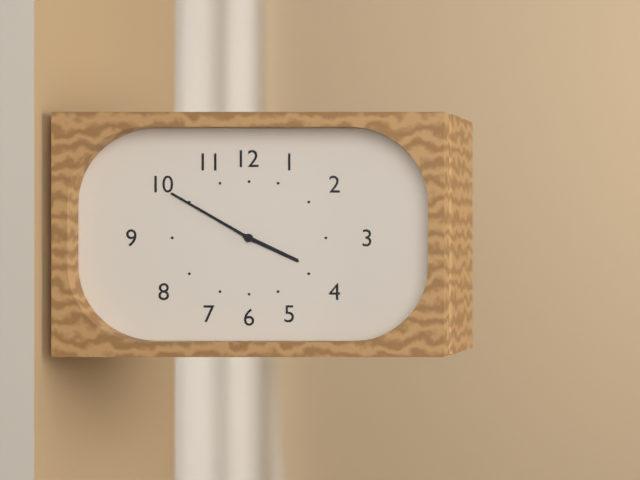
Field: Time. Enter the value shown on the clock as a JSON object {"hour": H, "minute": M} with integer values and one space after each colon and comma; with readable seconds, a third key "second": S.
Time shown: {"hour": 3, "minute": 50}
